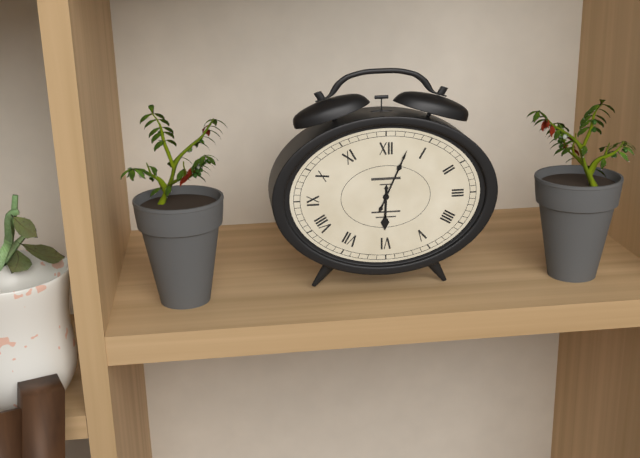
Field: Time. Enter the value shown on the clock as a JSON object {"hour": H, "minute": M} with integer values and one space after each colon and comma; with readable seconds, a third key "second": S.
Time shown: {"hour": 6, "minute": 4}
